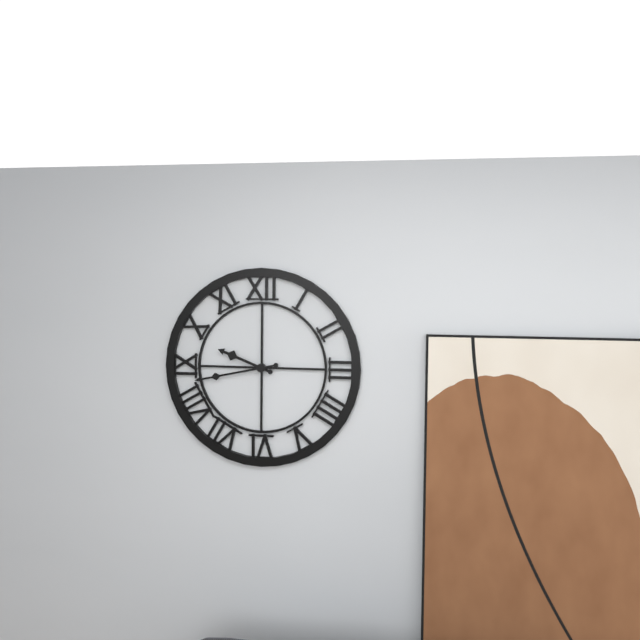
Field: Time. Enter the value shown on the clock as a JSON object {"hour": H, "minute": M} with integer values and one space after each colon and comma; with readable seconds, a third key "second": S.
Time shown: {"hour": 9, "minute": 43}
